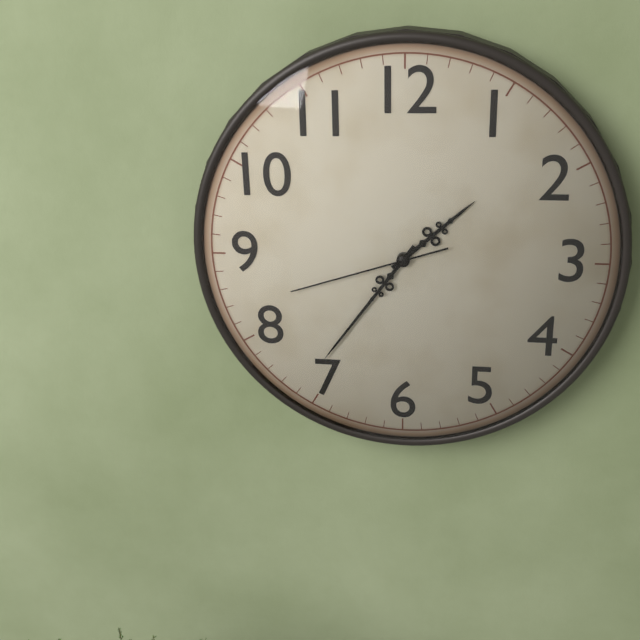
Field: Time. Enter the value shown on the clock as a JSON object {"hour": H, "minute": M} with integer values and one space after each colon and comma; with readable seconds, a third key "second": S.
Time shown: {"hour": 1, "minute": 36, "second": 42}
